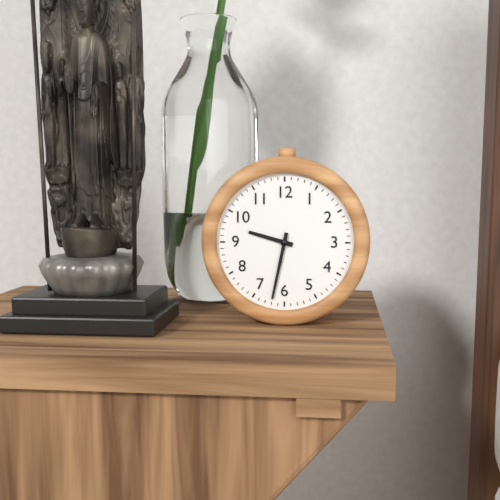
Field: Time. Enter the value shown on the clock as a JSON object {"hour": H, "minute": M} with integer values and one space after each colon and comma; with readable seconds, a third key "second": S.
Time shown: {"hour": 9, "minute": 32}
